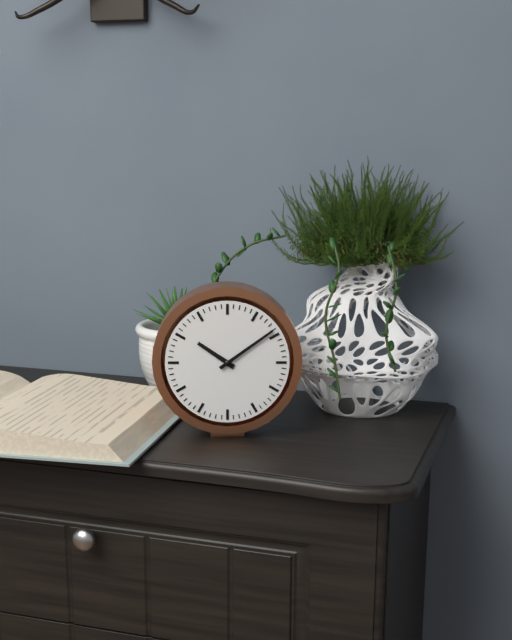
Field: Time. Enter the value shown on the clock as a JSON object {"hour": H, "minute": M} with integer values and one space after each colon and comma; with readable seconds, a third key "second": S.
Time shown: {"hour": 10, "minute": 9}
